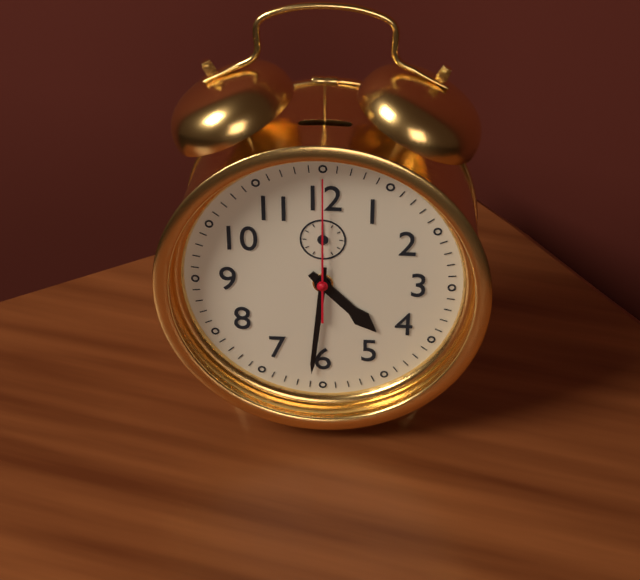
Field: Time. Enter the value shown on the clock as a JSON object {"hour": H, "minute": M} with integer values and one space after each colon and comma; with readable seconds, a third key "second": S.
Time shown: {"hour": 4, "minute": 31, "second": 0}
